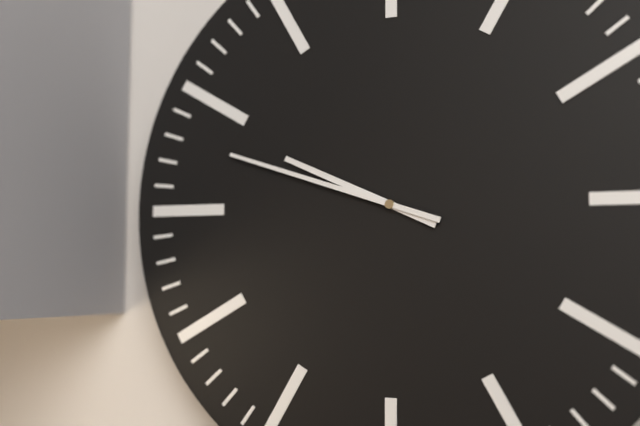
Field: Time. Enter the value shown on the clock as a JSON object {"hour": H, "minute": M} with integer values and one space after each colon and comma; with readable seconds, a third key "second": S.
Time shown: {"hour": 9, "minute": 48}
